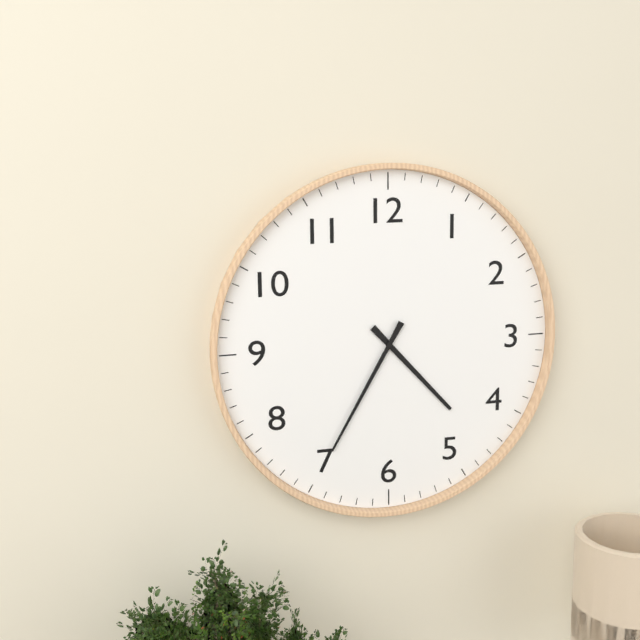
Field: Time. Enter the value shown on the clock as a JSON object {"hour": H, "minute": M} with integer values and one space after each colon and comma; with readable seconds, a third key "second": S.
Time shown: {"hour": 4, "minute": 35}
